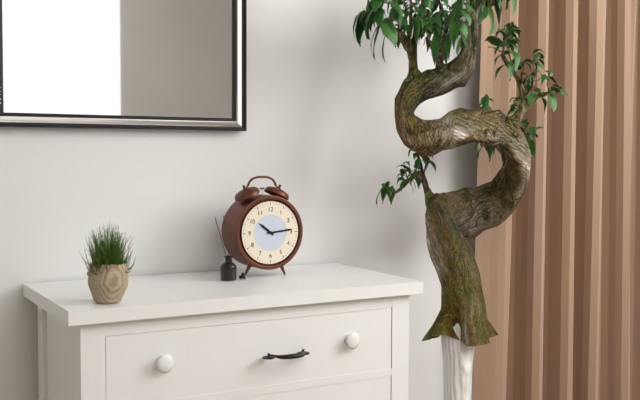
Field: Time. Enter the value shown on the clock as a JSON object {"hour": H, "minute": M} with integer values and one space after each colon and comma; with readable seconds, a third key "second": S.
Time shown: {"hour": 10, "minute": 14}
